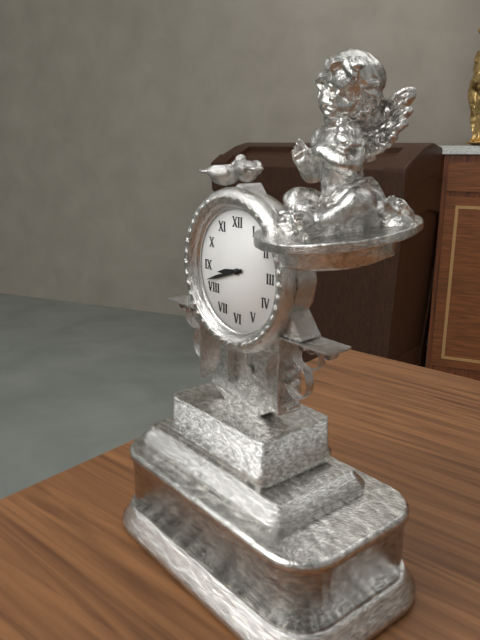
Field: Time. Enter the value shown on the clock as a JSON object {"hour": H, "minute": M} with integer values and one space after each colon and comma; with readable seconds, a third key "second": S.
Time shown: {"hour": 8, "minute": 42}
